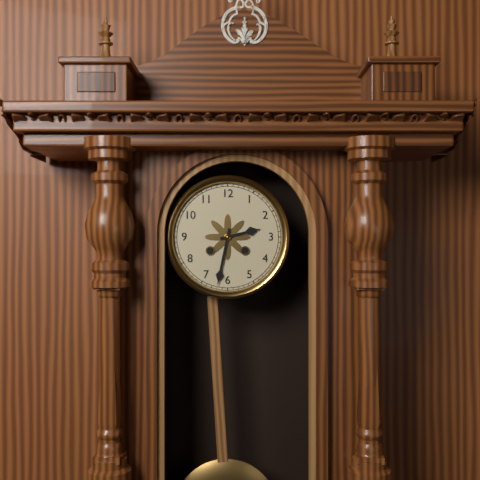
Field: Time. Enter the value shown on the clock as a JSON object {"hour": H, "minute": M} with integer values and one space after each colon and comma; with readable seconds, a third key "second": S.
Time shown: {"hour": 2, "minute": 32}
